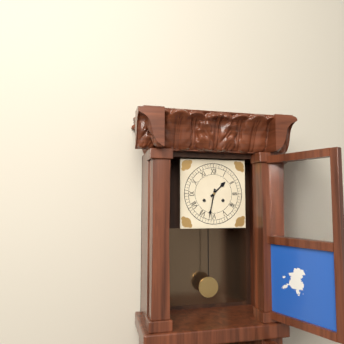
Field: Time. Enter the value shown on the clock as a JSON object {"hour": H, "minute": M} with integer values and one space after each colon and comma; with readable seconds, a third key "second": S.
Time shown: {"hour": 1, "minute": 32}
